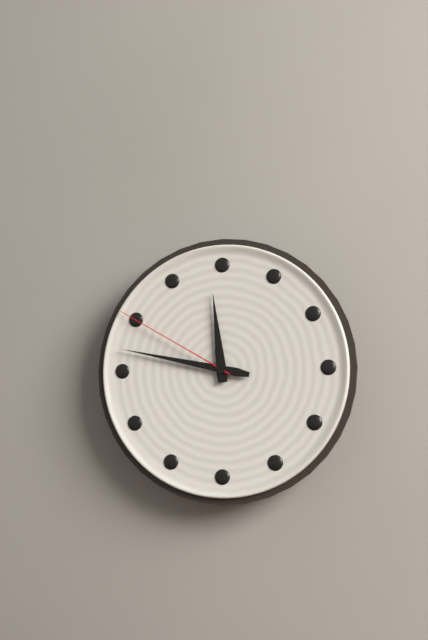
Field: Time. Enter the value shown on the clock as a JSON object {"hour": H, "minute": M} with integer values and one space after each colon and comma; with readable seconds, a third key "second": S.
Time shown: {"hour": 11, "minute": 47, "second": 50}
